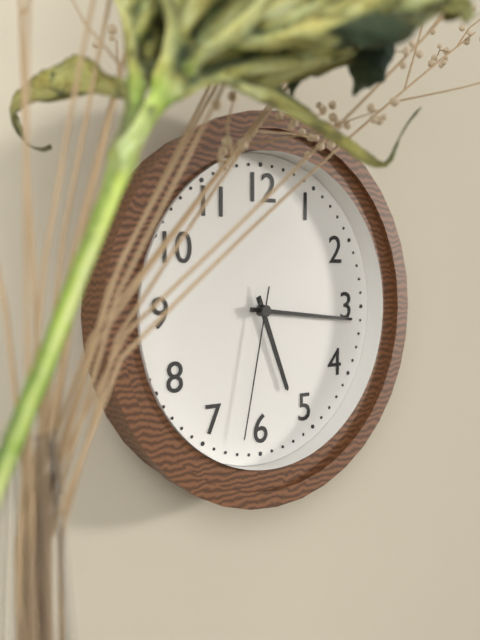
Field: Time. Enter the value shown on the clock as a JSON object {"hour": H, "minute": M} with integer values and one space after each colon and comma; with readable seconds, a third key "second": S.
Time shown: {"hour": 5, "minute": 16, "second": 32}
